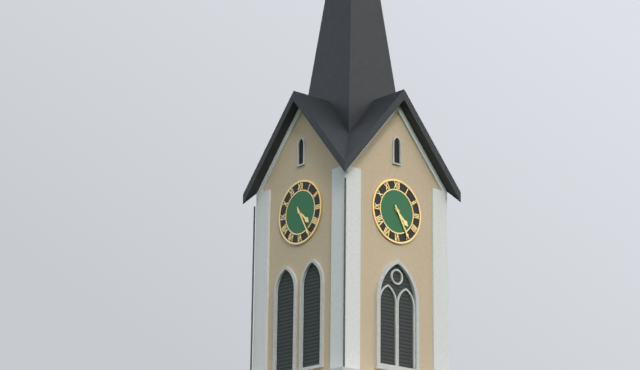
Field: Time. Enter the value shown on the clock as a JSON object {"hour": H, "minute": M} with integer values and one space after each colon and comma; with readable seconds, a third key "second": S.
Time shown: {"hour": 4, "minute": 25}
